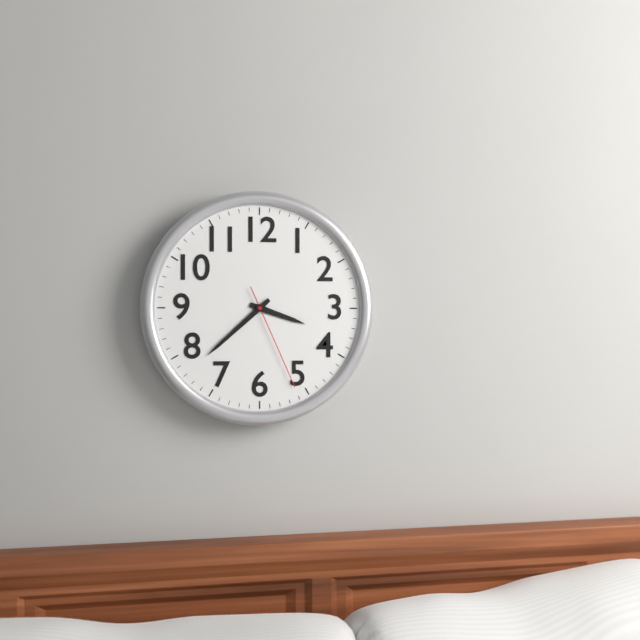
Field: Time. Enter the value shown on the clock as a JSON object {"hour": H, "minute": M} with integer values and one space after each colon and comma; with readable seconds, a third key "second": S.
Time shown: {"hour": 3, "minute": 38, "second": 26}
